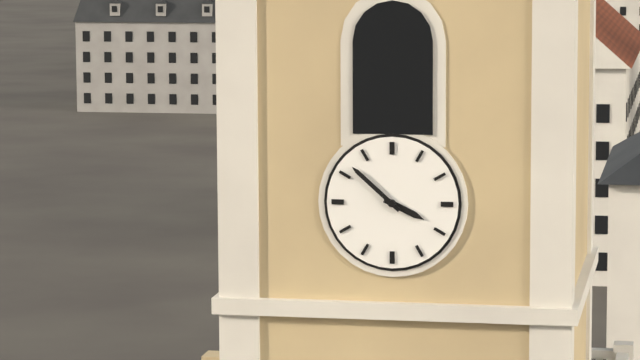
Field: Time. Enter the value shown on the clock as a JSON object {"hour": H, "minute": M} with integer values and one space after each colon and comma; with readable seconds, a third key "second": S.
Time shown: {"hour": 3, "minute": 52}
